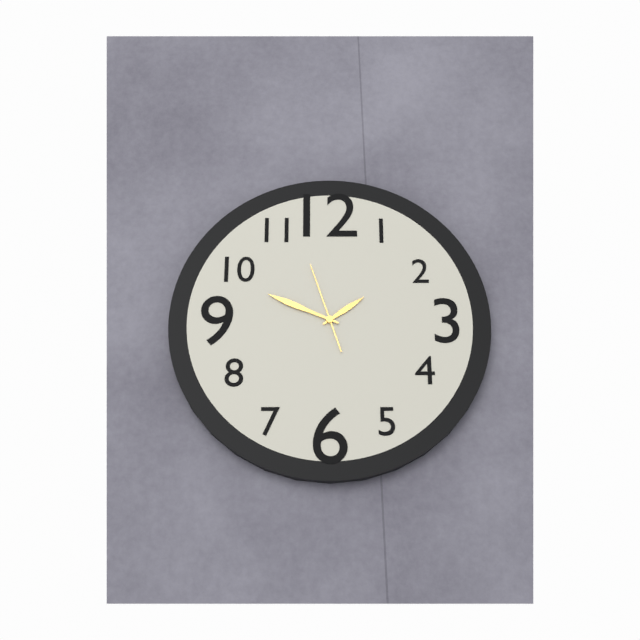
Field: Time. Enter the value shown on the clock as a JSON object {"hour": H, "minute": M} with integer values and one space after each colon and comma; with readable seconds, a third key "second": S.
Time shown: {"hour": 1, "minute": 49, "second": 57}
